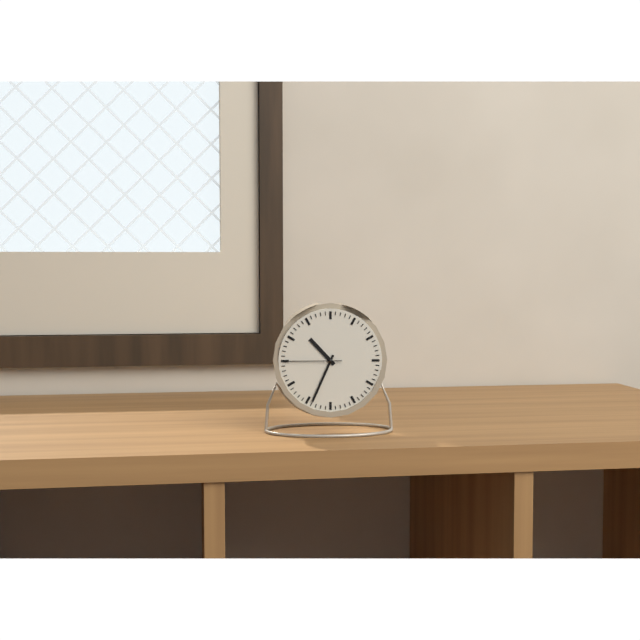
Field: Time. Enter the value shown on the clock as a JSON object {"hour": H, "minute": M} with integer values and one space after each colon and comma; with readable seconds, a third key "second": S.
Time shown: {"hour": 10, "minute": 34, "second": 45}
